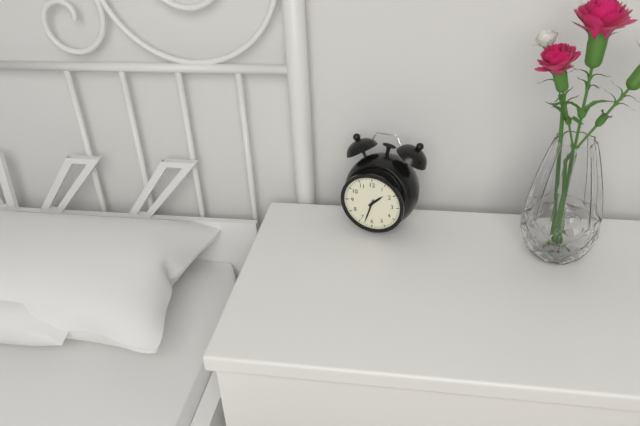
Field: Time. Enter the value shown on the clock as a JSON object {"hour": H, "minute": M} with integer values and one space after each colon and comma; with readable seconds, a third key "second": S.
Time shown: {"hour": 1, "minute": 33}
